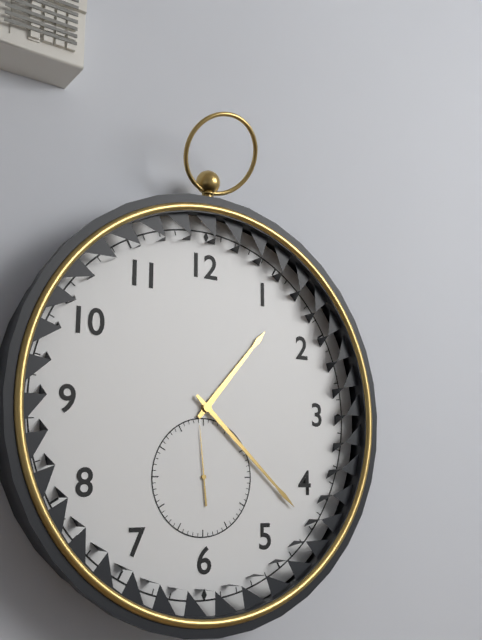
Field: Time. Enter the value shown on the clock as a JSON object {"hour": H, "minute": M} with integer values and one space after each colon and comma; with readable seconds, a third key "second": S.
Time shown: {"hour": 1, "minute": 22, "second": 59}
